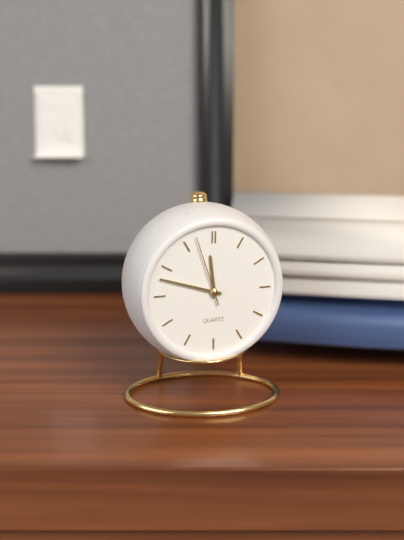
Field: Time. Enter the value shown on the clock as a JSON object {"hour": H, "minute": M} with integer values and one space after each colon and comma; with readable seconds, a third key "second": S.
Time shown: {"hour": 11, "minute": 48, "second": 57}
